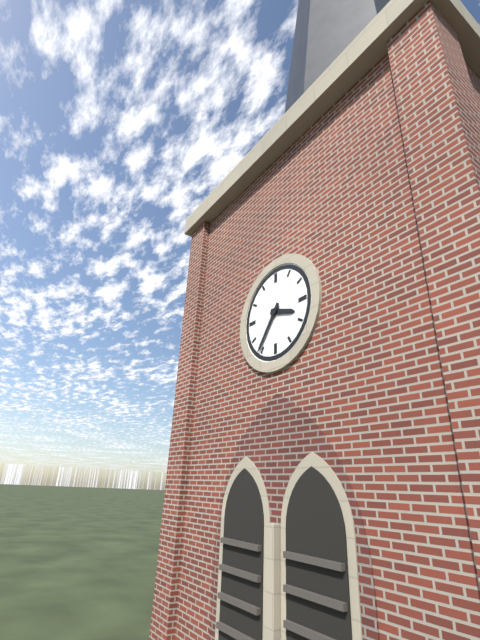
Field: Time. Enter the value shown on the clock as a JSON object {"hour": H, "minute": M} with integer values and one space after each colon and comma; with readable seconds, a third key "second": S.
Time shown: {"hour": 3, "minute": 36}
